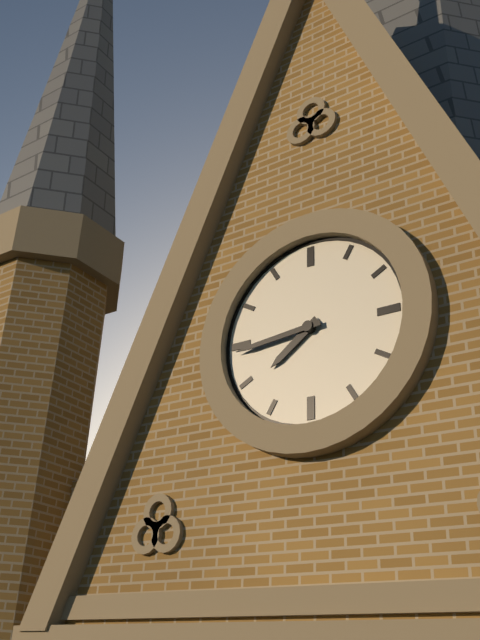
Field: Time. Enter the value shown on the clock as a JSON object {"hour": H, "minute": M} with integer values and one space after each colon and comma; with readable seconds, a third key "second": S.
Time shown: {"hour": 7, "minute": 44}
